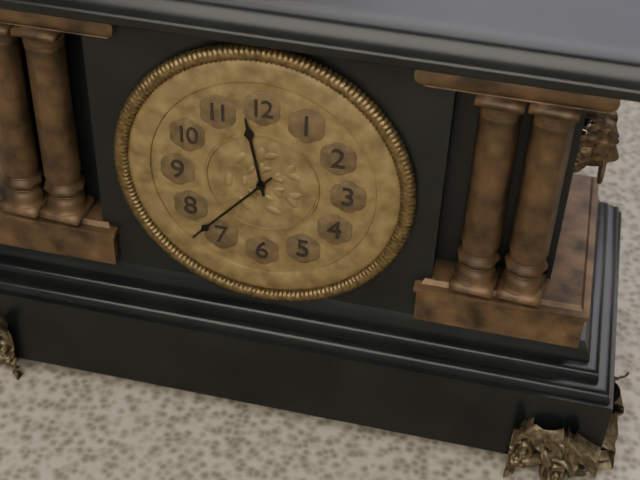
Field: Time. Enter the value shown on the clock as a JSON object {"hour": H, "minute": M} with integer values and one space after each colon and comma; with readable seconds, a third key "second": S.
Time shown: {"hour": 11, "minute": 37}
